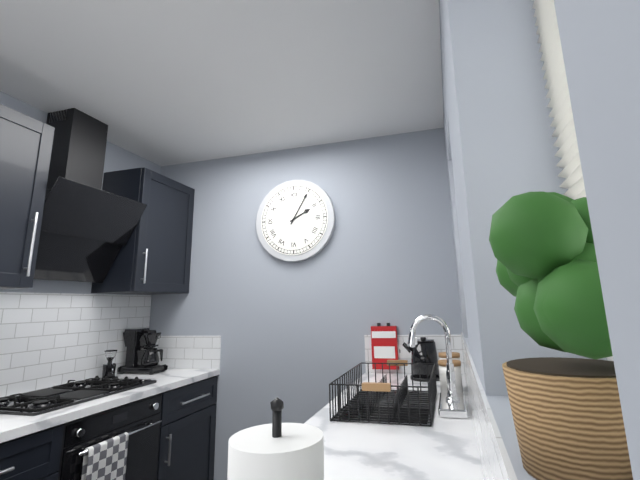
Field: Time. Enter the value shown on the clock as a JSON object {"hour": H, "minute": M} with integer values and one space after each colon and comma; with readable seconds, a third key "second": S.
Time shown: {"hour": 2, "minute": 5}
